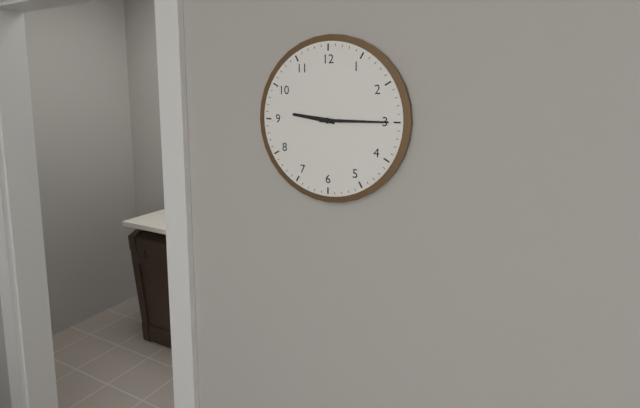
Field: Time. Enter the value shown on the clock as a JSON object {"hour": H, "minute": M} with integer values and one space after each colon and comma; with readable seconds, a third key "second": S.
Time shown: {"hour": 9, "minute": 15}
